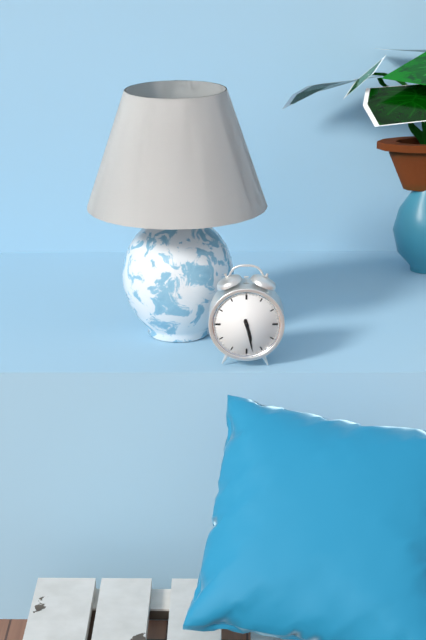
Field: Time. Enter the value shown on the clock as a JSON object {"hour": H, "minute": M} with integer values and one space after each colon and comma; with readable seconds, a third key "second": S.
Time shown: {"hour": 5, "minute": 28}
